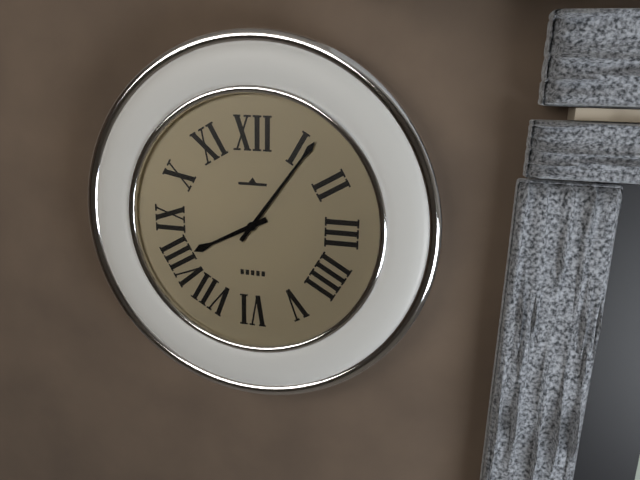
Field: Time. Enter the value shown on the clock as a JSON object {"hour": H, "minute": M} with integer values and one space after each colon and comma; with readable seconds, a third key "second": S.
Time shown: {"hour": 8, "minute": 6}
